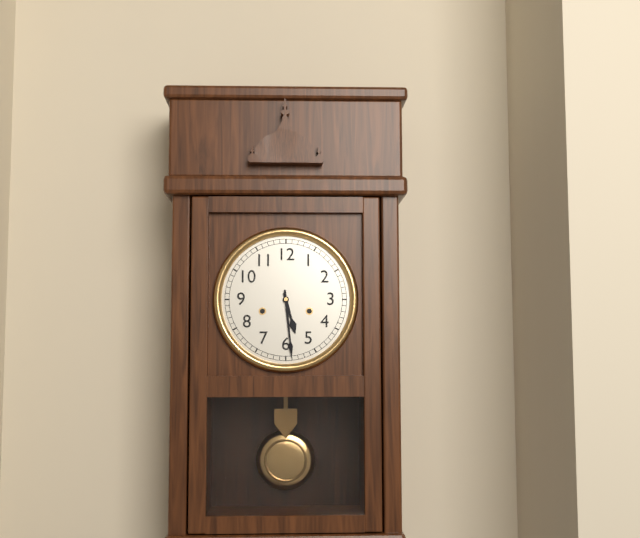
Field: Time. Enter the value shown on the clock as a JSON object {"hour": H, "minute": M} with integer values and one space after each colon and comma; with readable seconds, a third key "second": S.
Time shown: {"hour": 5, "minute": 29}
